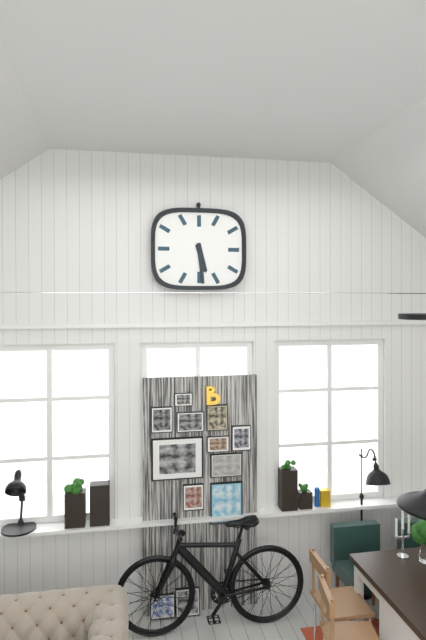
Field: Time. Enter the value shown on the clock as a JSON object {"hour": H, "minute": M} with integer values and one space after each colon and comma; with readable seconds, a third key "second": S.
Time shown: {"hour": 5, "minute": 29}
